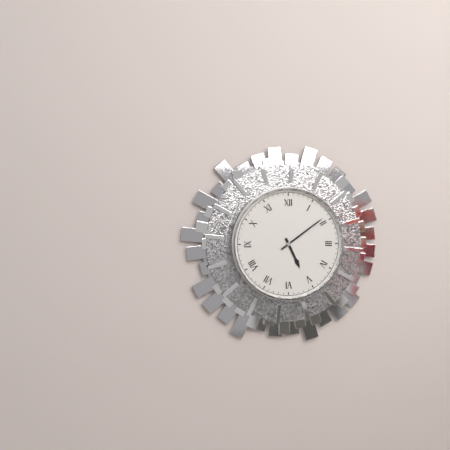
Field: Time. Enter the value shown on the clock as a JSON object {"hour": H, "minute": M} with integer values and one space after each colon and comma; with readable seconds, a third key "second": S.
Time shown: {"hour": 5, "minute": 9}
